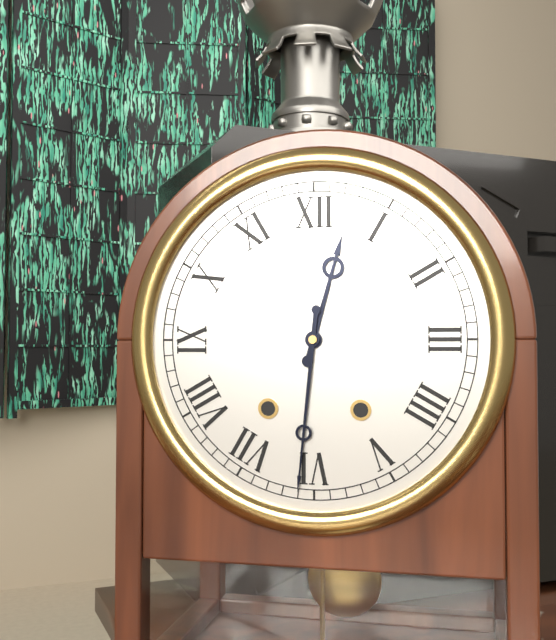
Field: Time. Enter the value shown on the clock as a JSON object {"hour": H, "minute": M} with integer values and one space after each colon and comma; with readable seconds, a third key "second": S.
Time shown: {"hour": 12, "minute": 31}
